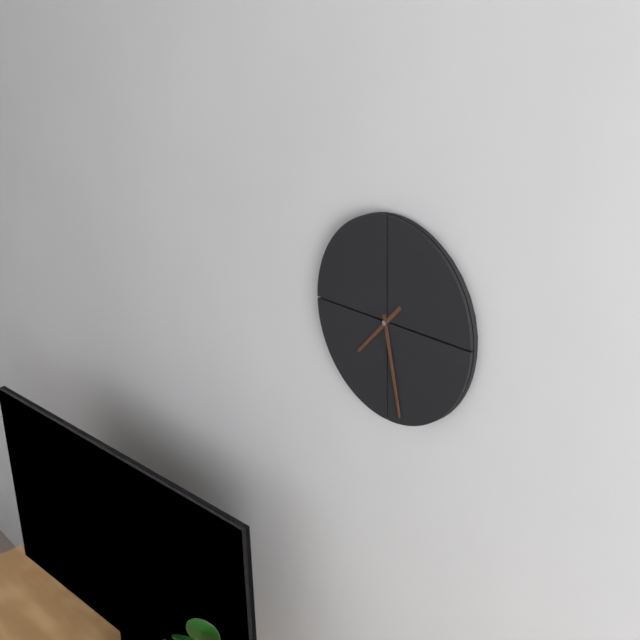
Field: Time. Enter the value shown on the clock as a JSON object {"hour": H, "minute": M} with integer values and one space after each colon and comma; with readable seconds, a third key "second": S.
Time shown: {"hour": 7, "minute": 28}
